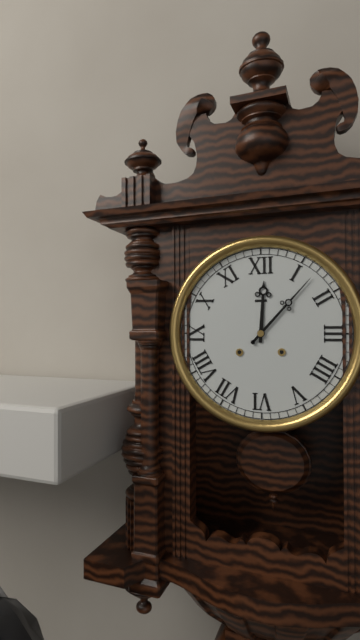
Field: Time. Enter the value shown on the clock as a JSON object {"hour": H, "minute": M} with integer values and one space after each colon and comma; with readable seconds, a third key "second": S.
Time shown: {"hour": 12, "minute": 7}
